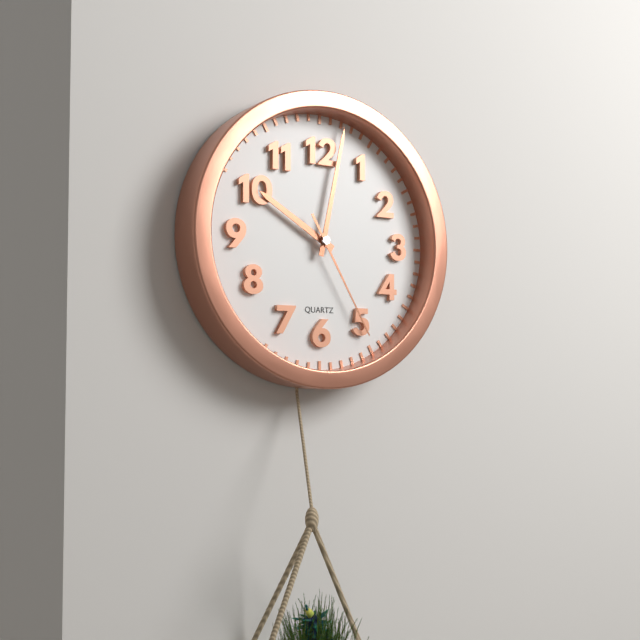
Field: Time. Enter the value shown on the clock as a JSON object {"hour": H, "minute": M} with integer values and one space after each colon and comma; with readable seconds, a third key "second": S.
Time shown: {"hour": 10, "minute": 2, "second": 25}
